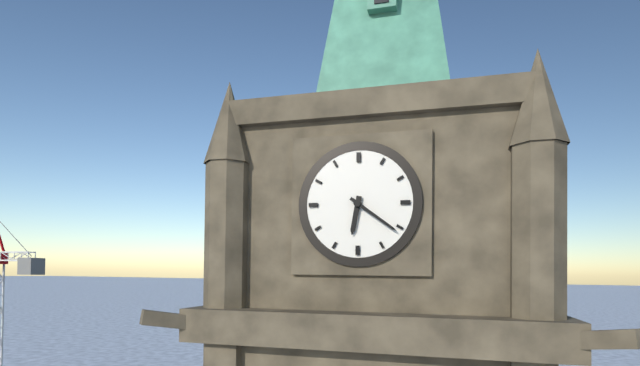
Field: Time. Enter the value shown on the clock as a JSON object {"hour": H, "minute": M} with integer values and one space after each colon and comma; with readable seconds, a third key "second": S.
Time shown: {"hour": 6, "minute": 21}
